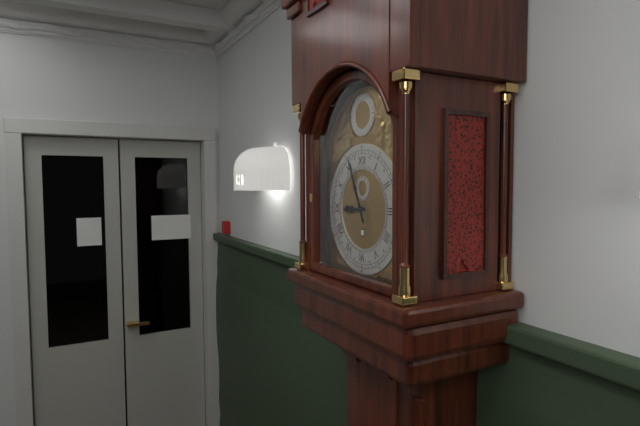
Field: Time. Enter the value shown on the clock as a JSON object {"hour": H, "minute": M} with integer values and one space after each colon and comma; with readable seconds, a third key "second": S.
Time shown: {"hour": 8, "minute": 56}
